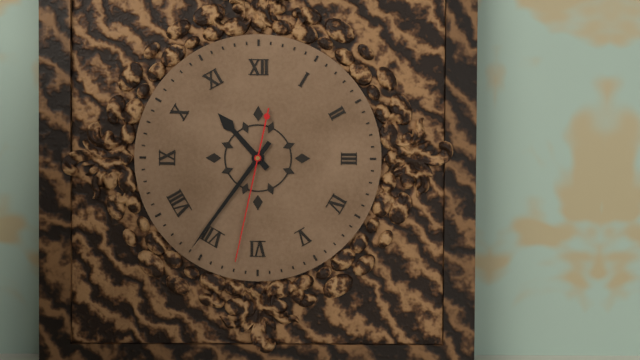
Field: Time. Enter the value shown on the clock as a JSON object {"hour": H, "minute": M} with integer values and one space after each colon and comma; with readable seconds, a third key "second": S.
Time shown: {"hour": 10, "minute": 36, "second": 32}
